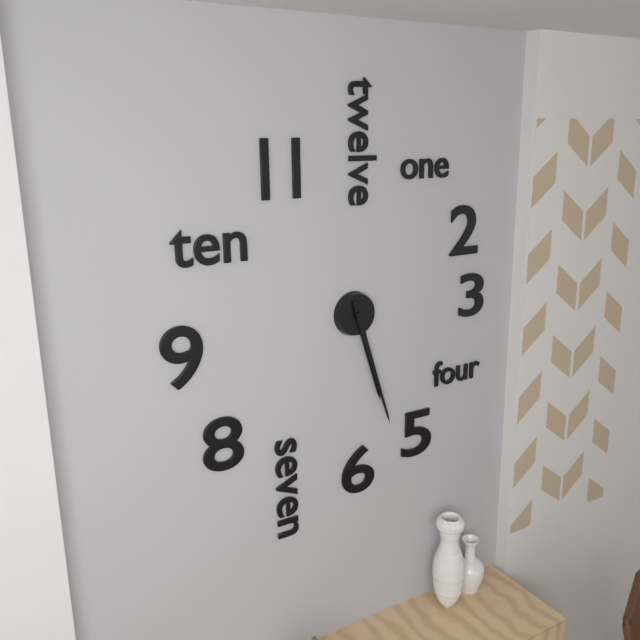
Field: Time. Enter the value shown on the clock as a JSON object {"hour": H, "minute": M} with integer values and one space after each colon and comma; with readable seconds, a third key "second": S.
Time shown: {"hour": 5, "minute": 27}
